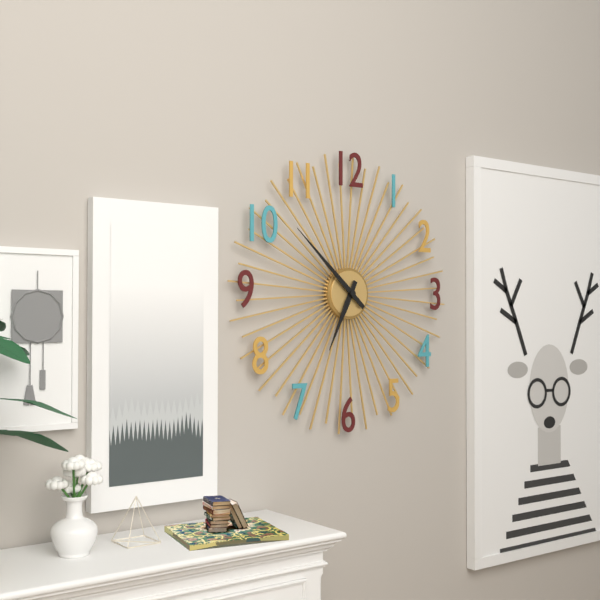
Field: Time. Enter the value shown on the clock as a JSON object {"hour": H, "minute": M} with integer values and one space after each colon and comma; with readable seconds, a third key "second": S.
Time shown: {"hour": 6, "minute": 52}
